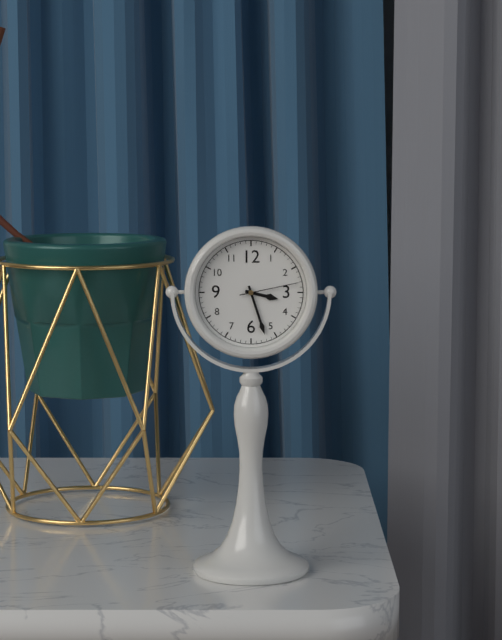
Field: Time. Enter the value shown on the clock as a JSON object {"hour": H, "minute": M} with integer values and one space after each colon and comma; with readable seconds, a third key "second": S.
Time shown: {"hour": 3, "minute": 27, "second": 13}
